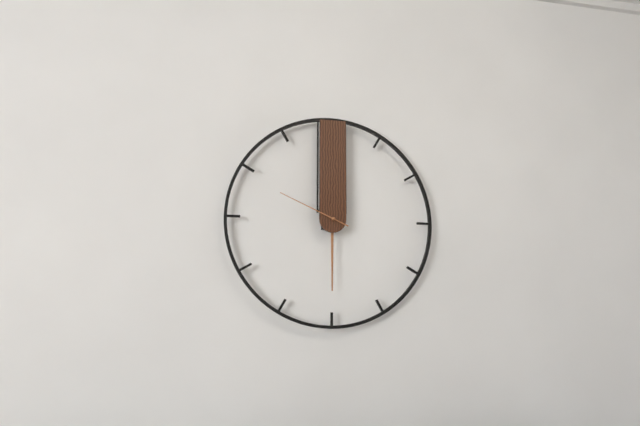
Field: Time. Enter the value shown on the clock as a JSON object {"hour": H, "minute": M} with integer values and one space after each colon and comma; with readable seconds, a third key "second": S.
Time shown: {"hour": 6, "minute": 0, "second": 49}
